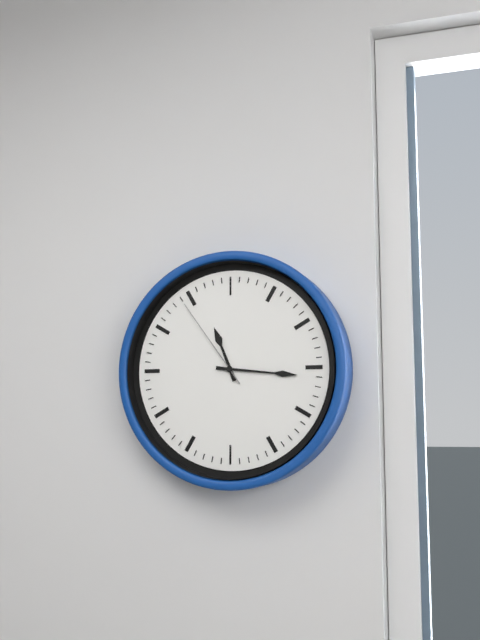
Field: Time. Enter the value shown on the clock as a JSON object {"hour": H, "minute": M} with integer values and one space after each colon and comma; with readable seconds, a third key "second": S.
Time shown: {"hour": 11, "minute": 16, "second": 54}
